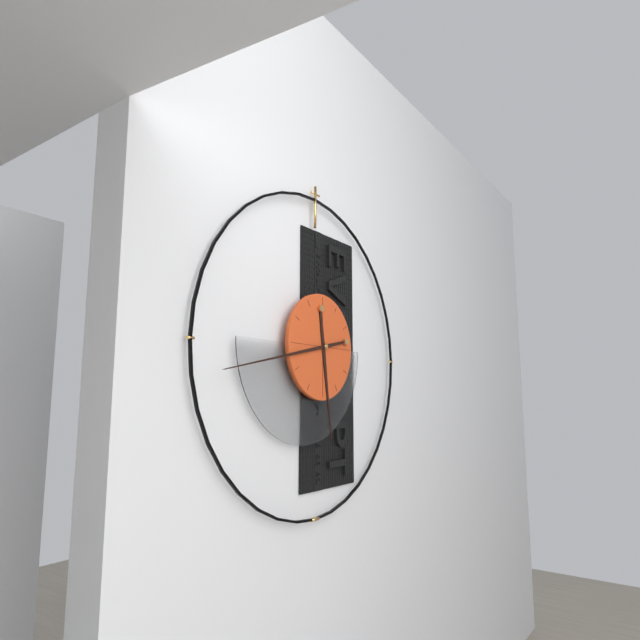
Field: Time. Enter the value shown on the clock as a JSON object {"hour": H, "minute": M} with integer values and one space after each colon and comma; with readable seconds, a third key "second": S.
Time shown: {"hour": 5, "minute": 43}
